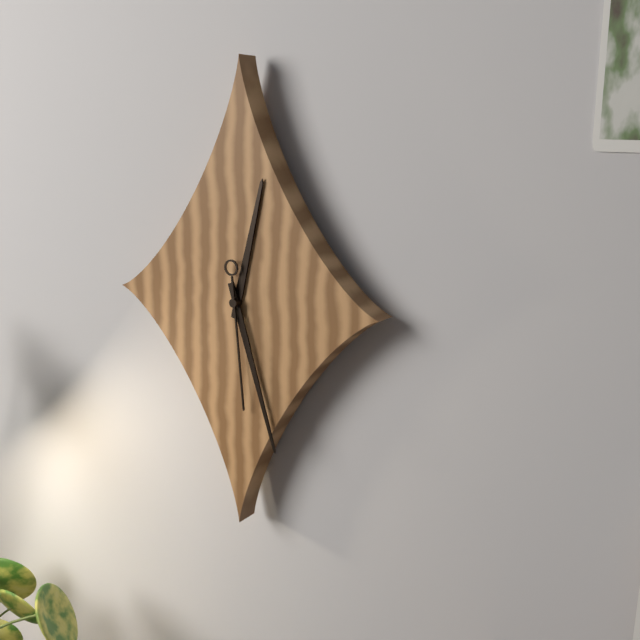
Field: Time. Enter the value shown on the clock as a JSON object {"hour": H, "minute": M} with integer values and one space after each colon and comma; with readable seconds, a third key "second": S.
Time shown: {"hour": 12, "minute": 27, "second": 29}
